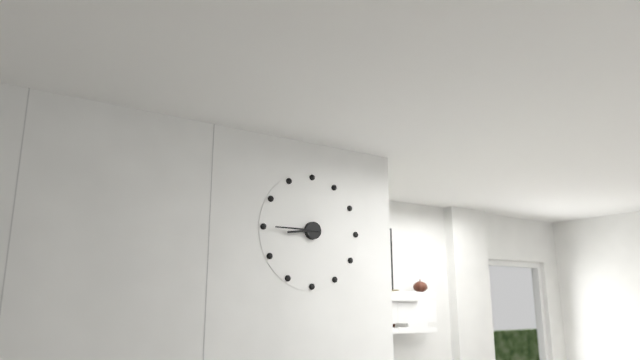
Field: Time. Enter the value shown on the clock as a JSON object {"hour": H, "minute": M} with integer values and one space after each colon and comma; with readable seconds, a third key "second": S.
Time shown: {"hour": 8, "minute": 45}
